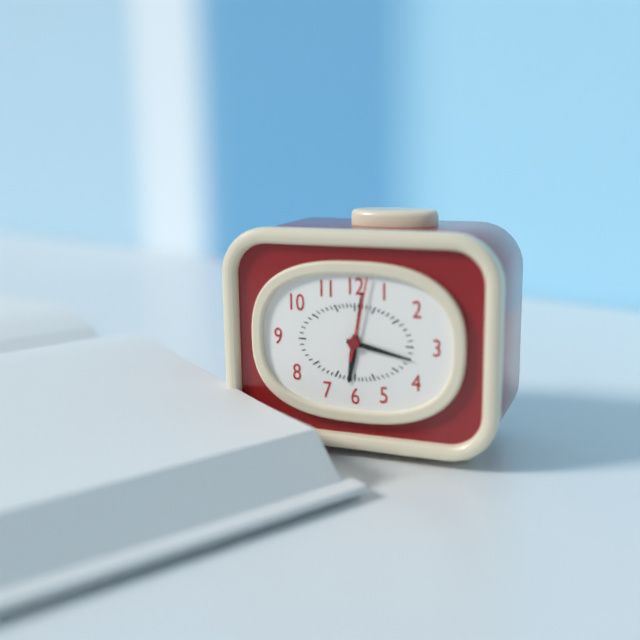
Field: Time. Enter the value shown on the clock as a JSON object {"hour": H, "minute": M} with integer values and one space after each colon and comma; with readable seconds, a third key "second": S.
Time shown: {"hour": 6, "minute": 17, "second": 2}
